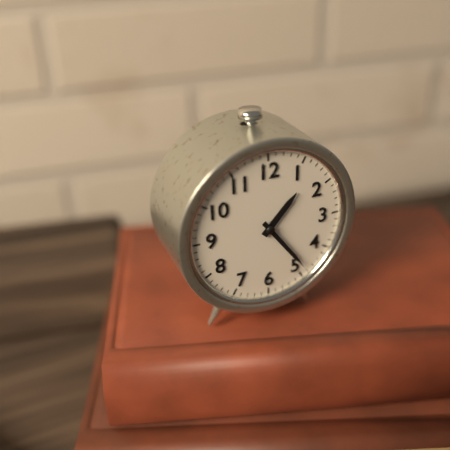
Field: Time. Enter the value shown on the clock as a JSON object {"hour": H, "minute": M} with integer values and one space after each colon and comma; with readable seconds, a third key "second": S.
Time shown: {"hour": 1, "minute": 24}
